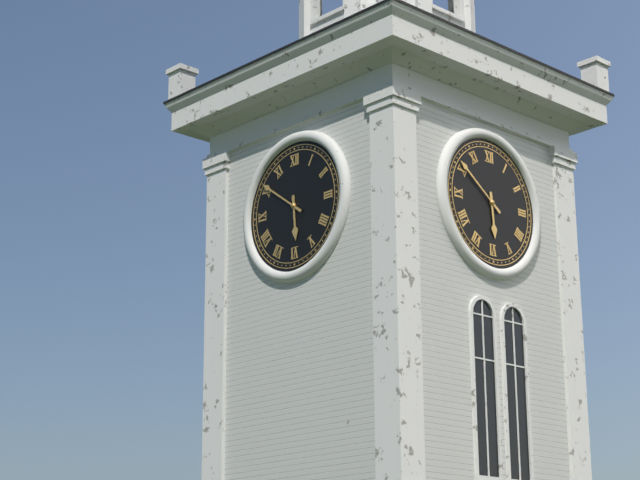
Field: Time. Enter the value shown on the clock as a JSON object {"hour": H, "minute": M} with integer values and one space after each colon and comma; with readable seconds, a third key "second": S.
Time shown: {"hour": 5, "minute": 51}
